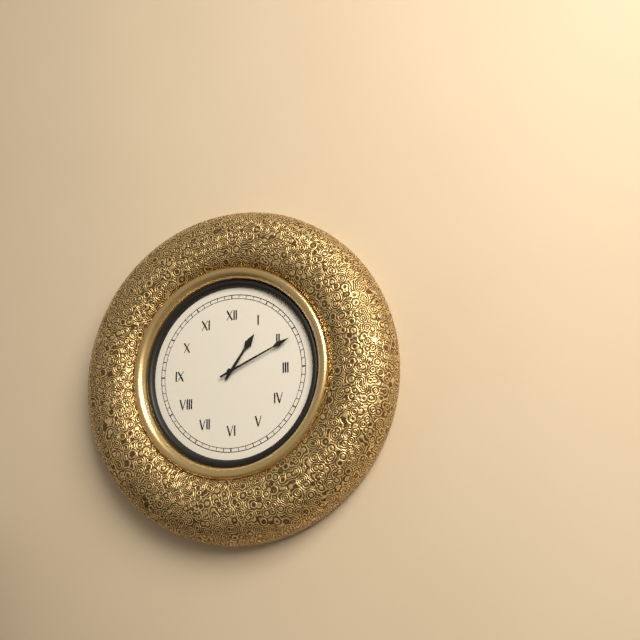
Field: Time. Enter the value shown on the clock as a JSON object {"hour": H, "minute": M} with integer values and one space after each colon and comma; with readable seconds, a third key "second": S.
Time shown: {"hour": 1, "minute": 11}
